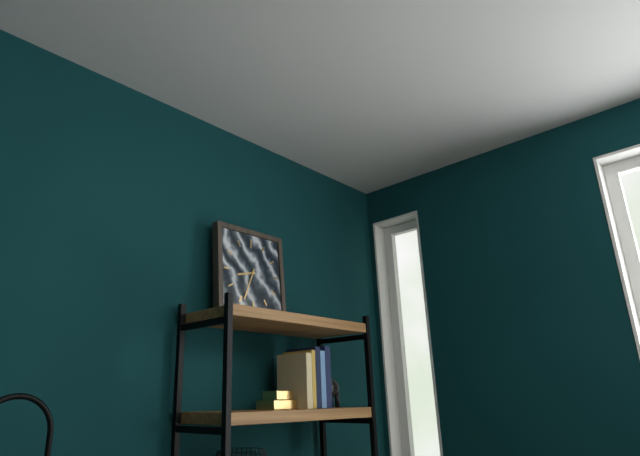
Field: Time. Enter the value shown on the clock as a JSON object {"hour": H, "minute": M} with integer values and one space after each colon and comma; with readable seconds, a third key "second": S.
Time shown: {"hour": 8, "minute": 34}
